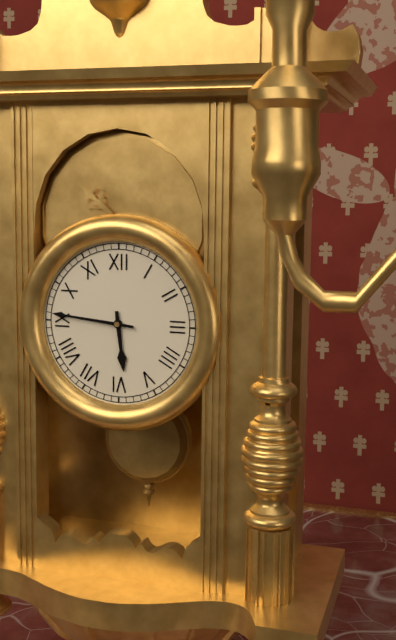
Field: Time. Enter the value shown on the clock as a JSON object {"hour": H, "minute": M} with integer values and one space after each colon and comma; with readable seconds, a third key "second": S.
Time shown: {"hour": 5, "minute": 46}
